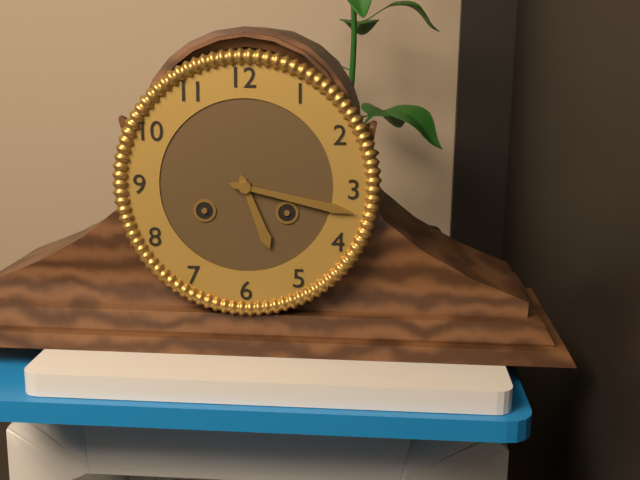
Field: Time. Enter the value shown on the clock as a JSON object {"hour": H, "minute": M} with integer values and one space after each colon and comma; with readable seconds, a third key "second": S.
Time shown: {"hour": 5, "minute": 17}
